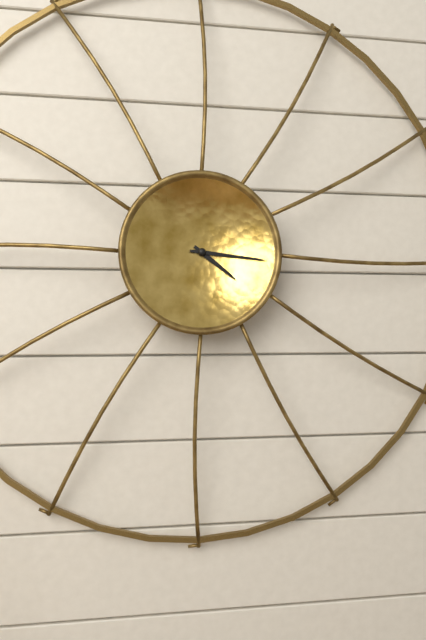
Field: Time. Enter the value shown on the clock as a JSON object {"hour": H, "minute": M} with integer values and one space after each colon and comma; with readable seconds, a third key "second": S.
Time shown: {"hour": 4, "minute": 16}
